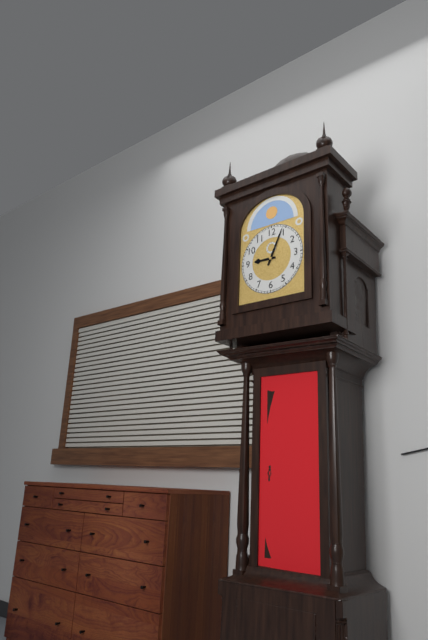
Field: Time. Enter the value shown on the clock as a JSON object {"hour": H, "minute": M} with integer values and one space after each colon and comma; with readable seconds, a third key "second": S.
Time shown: {"hour": 9, "minute": 4}
